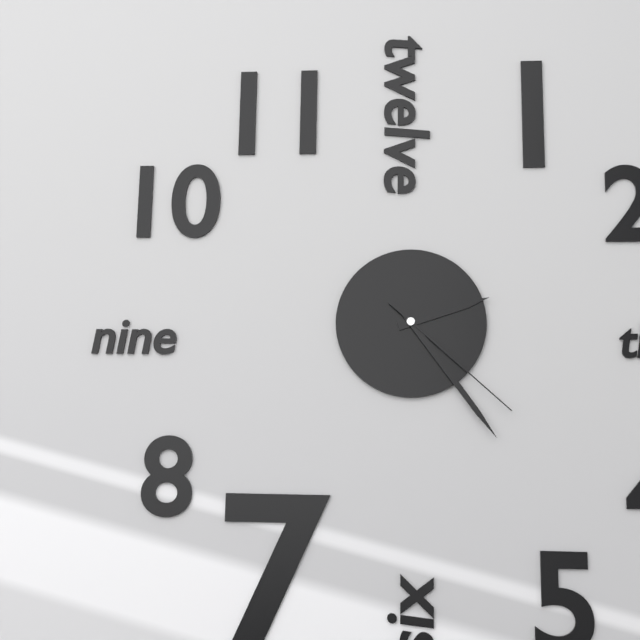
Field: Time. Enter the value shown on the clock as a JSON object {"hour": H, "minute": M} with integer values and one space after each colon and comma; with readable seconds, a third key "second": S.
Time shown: {"hour": 2, "minute": 24, "second": 22}
